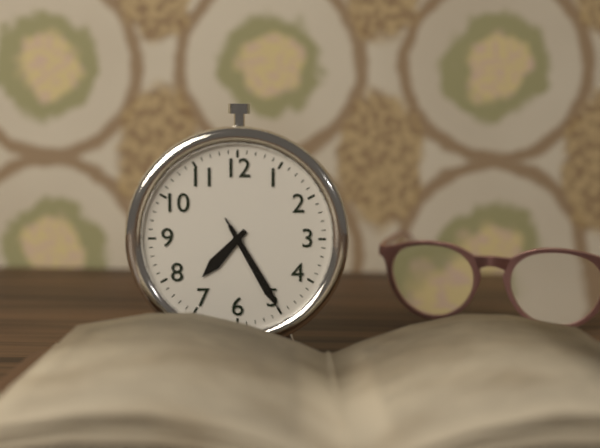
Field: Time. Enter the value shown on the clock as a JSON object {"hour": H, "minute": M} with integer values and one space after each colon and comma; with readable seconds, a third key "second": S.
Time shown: {"hour": 7, "minute": 25, "second": 25}
